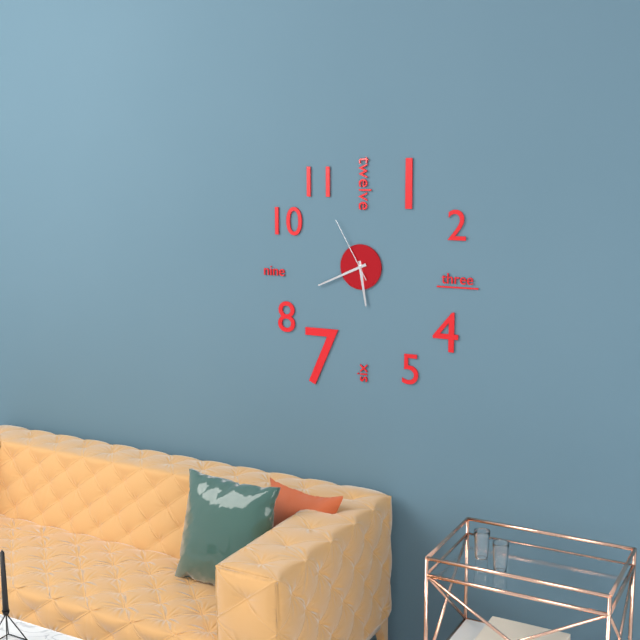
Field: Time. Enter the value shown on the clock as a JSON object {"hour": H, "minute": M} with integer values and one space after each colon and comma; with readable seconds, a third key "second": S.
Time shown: {"hour": 5, "minute": 41, "second": 55}
